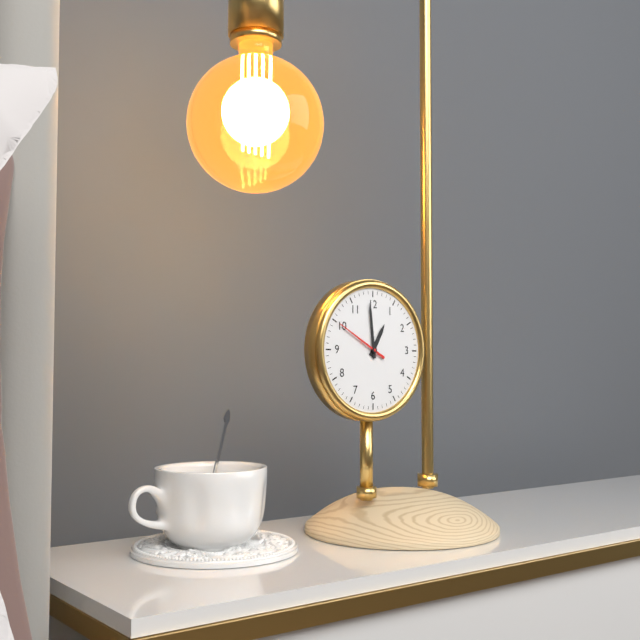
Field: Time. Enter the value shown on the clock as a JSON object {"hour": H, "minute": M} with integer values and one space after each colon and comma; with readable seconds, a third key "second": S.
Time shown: {"hour": 12, "minute": 59, "second": 50}
